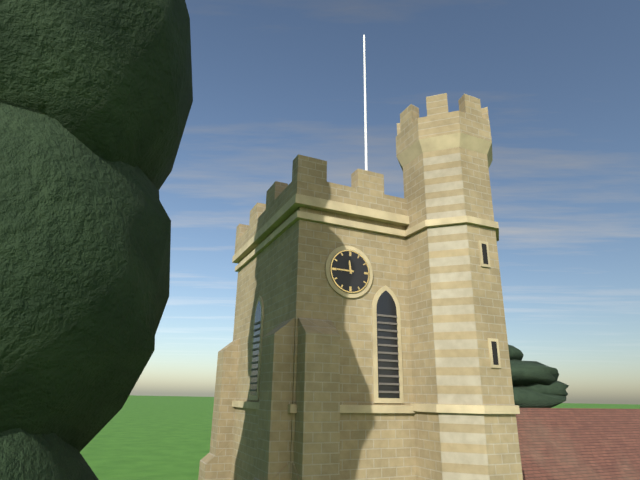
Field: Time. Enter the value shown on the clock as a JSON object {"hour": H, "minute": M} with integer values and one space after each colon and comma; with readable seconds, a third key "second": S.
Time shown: {"hour": 11, "minute": 45}
